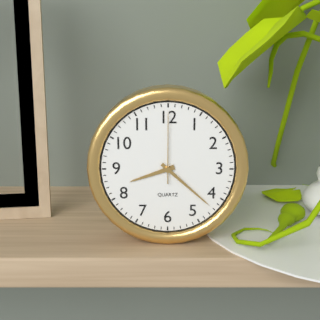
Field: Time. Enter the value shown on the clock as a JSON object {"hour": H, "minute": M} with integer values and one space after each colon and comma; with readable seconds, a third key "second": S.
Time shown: {"hour": 8, "minute": 22, "second": 0}
